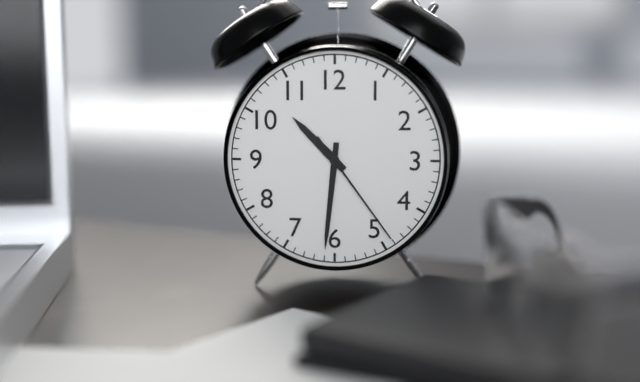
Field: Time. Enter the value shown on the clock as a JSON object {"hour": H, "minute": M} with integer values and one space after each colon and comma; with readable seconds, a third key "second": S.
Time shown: {"hour": 10, "minute": 31, "second": 24}
